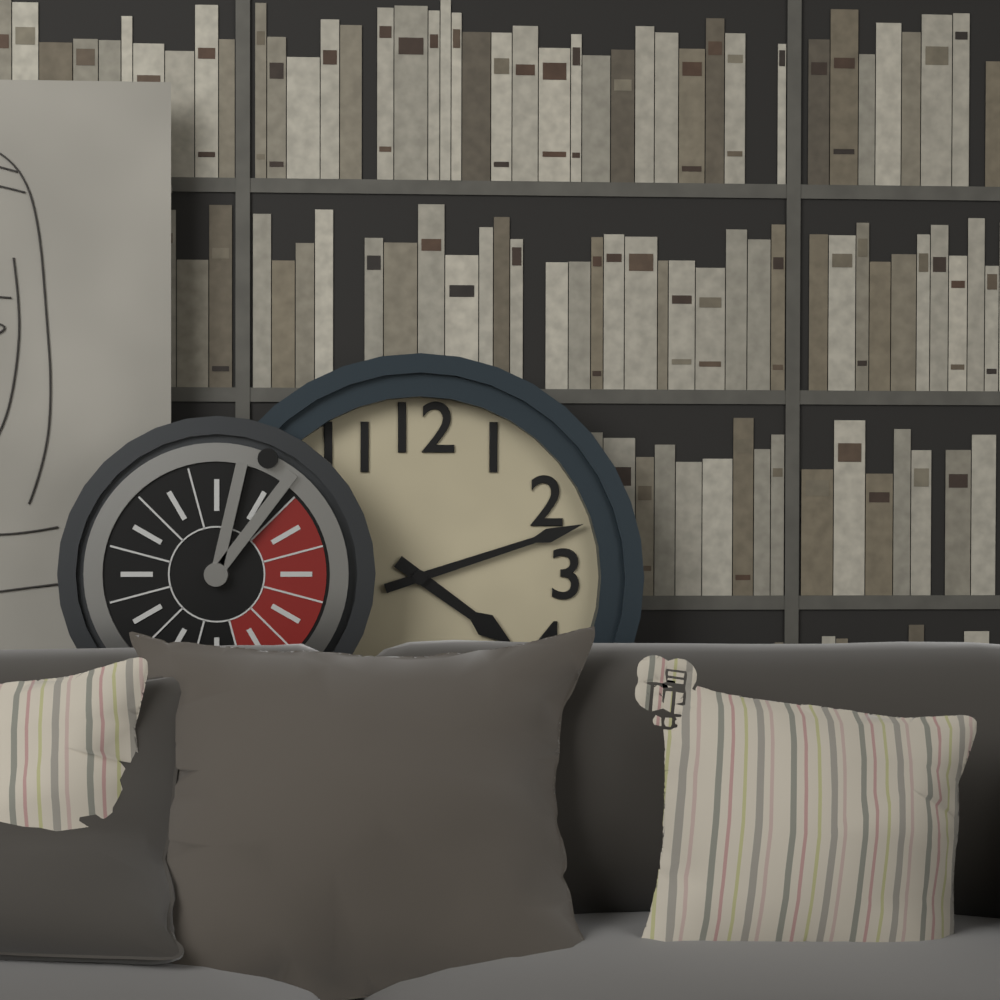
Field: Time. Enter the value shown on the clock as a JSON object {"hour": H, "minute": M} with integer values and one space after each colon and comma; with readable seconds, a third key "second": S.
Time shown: {"hour": 4, "minute": 12}
